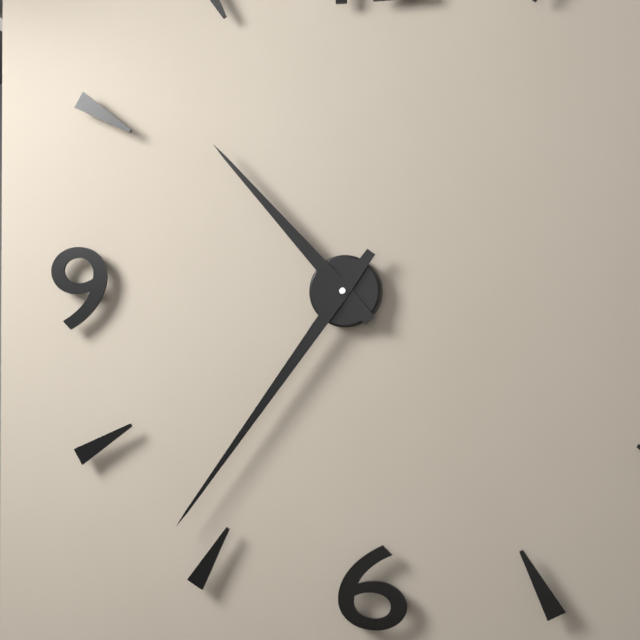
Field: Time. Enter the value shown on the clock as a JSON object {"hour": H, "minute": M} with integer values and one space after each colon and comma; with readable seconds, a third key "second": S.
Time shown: {"hour": 10, "minute": 36}
